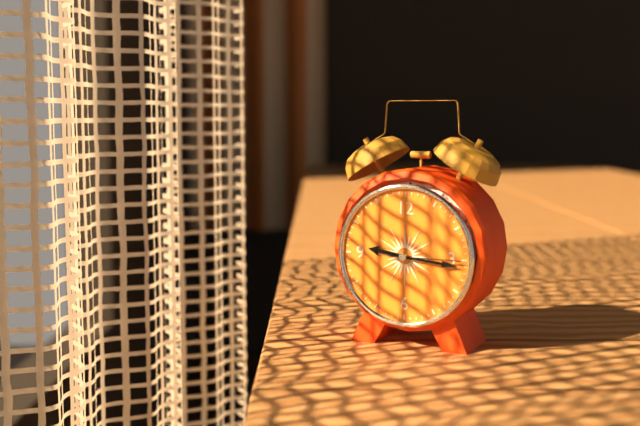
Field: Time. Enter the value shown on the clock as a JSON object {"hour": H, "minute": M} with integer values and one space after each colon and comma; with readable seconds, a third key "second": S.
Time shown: {"hour": 9, "minute": 16, "second": 15}
